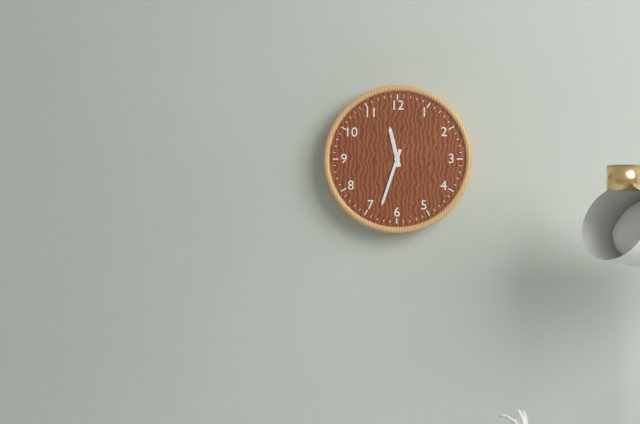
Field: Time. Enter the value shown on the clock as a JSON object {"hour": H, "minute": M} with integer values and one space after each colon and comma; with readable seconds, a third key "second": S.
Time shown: {"hour": 11, "minute": 33}
